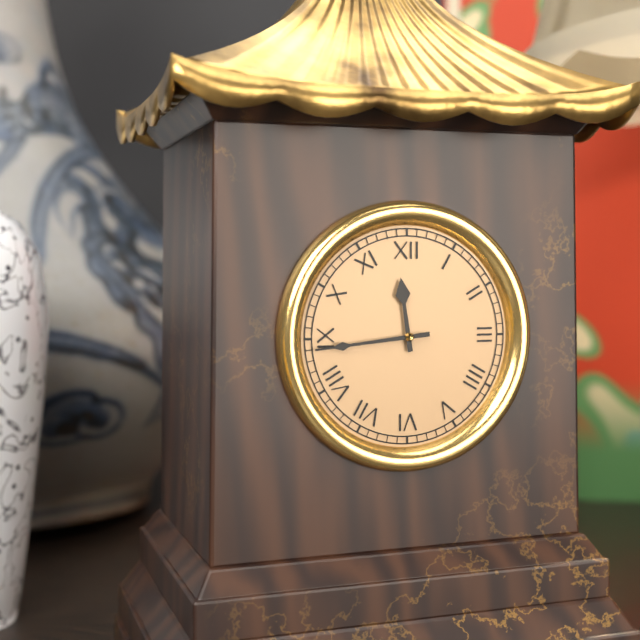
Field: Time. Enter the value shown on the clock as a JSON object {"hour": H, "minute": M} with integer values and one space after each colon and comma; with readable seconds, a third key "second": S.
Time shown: {"hour": 11, "minute": 44}
